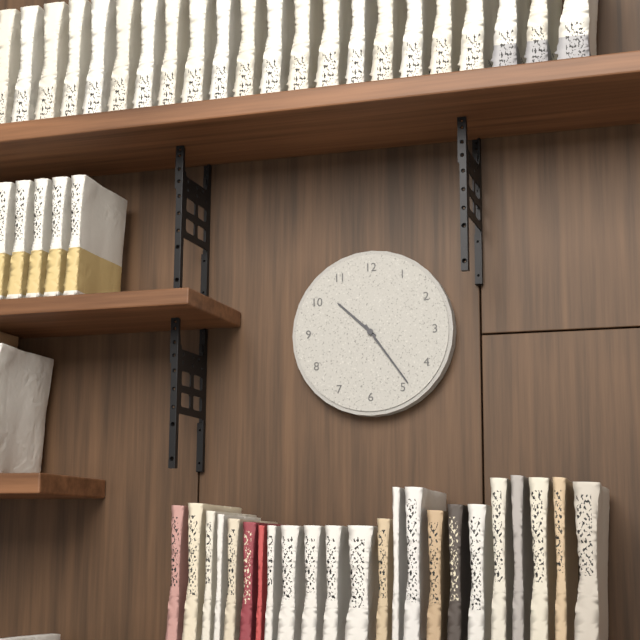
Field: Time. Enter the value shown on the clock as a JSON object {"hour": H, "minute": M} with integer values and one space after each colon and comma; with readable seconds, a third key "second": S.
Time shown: {"hour": 10, "minute": 24}
